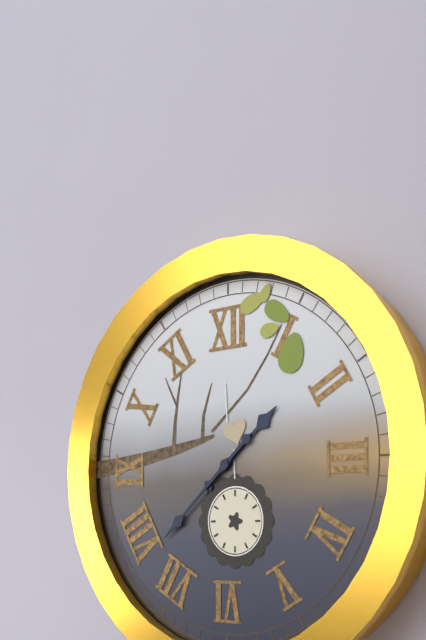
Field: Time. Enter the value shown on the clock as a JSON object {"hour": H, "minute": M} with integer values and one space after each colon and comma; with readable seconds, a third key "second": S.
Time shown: {"hour": 1, "minute": 38}
